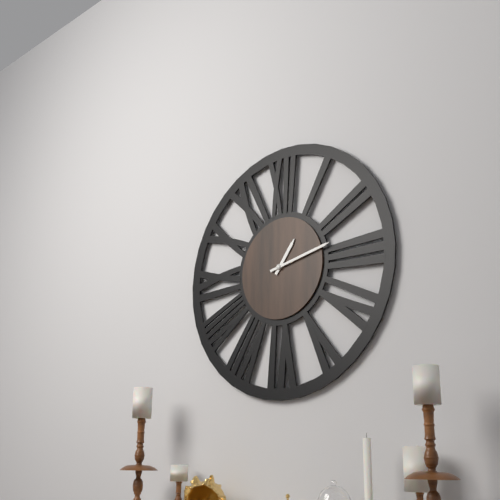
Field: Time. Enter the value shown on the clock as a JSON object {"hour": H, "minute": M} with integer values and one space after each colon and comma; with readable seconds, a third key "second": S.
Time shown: {"hour": 1, "minute": 13}
